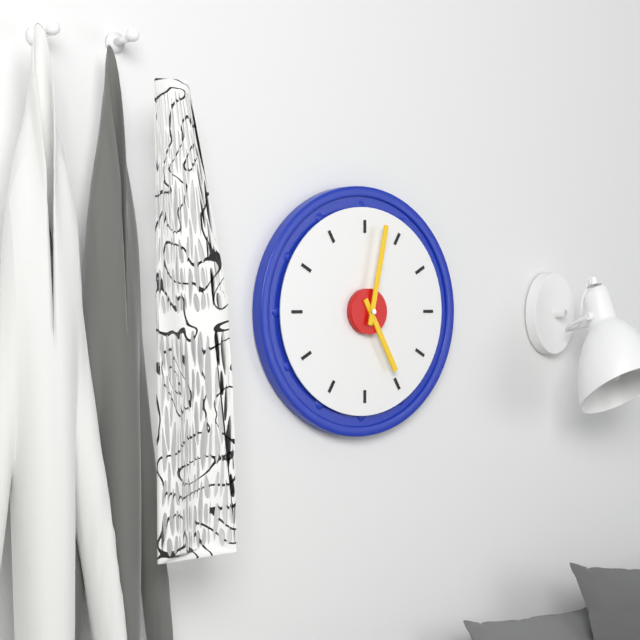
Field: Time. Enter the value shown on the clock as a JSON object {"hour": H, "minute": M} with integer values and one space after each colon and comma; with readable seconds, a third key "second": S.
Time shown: {"hour": 5, "minute": 2}
